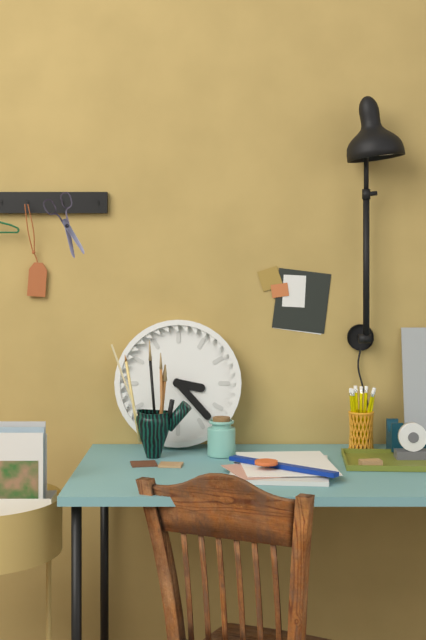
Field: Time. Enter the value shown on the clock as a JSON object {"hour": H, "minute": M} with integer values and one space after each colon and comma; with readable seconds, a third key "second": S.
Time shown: {"hour": 3, "minute": 23}
